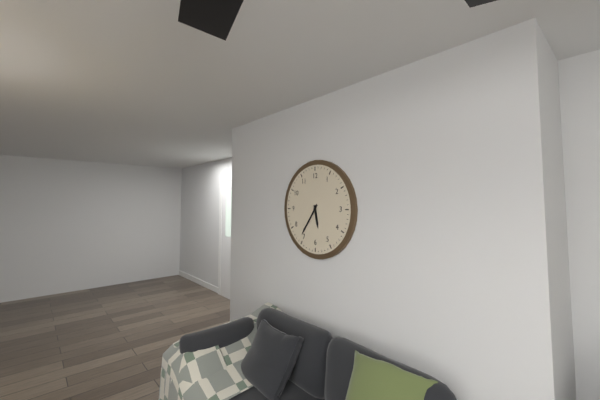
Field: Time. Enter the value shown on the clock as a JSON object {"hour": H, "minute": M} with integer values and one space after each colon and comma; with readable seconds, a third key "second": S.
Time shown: {"hour": 5, "minute": 36}
